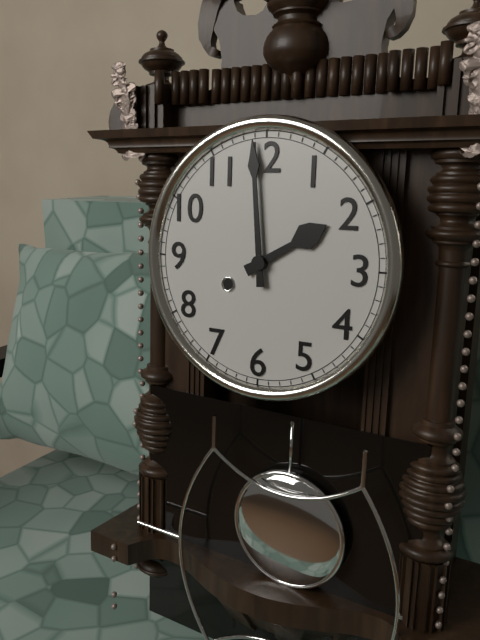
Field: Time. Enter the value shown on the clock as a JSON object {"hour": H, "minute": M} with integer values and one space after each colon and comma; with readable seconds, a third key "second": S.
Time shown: {"hour": 1, "minute": 59}
